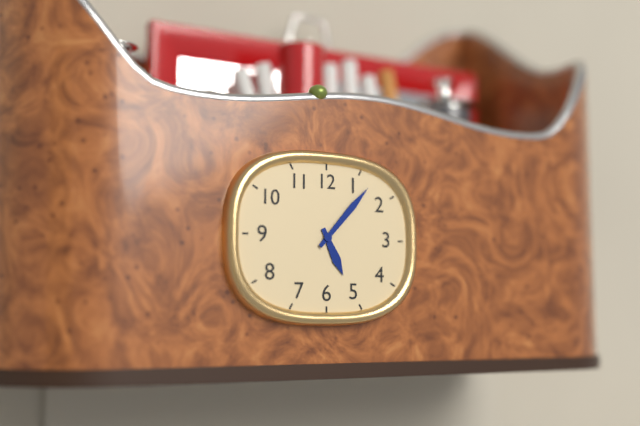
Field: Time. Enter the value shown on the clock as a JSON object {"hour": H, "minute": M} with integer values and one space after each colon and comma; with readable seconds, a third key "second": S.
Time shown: {"hour": 5, "minute": 7}
